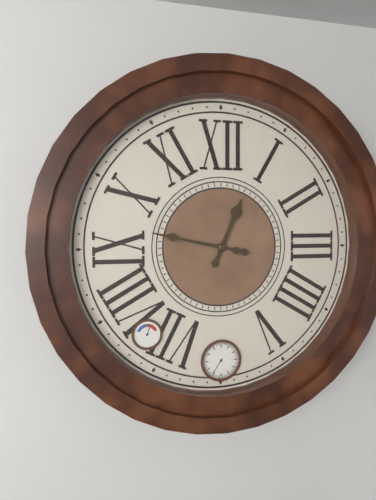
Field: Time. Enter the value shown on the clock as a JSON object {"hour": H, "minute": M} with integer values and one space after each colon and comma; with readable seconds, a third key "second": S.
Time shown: {"hour": 12, "minute": 47}
